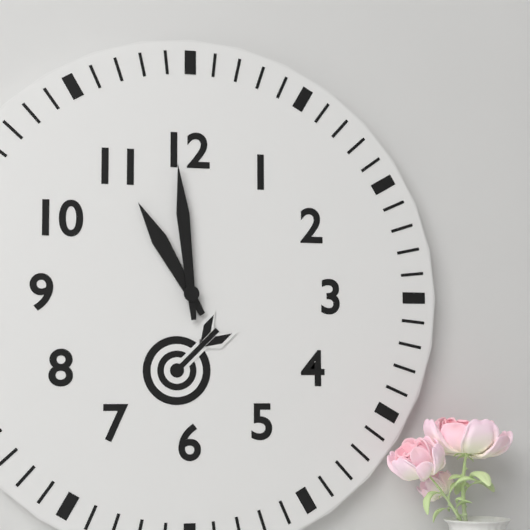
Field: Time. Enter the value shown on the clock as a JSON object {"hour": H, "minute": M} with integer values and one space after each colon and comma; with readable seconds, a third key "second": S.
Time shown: {"hour": 10, "minute": 59}
